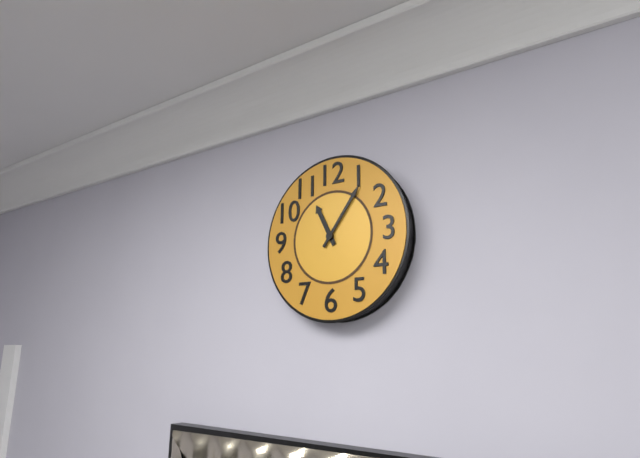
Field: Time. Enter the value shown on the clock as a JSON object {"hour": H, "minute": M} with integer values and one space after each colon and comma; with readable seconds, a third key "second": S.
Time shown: {"hour": 11, "minute": 6}
